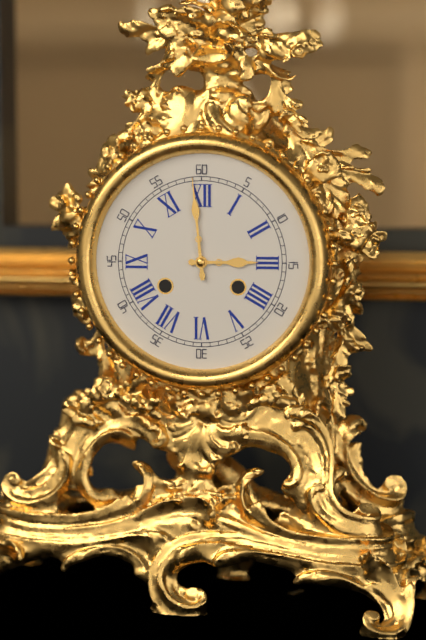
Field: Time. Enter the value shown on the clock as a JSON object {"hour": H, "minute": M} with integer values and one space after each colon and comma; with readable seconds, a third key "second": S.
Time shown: {"hour": 2, "minute": 59}
